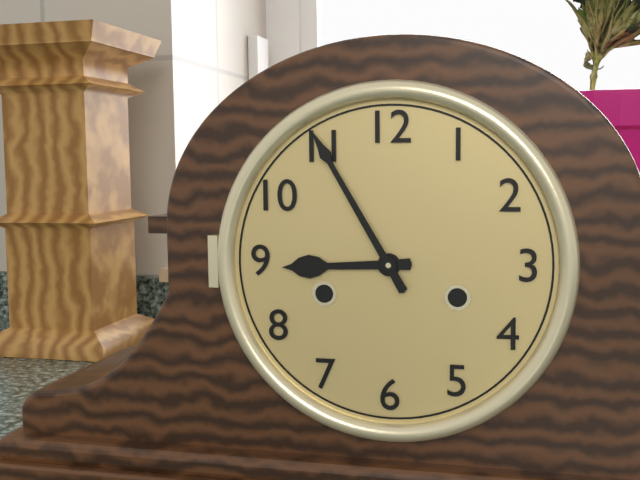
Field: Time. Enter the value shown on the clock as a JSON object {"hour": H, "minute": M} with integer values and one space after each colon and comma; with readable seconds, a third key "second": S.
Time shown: {"hour": 8, "minute": 55}
